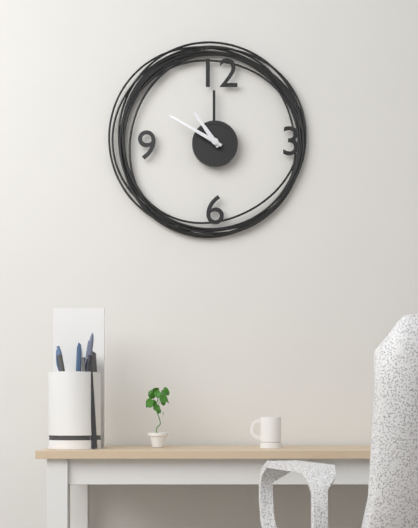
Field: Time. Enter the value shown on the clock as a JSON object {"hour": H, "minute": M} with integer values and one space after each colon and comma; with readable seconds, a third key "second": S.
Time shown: {"hour": 10, "minute": 50}
